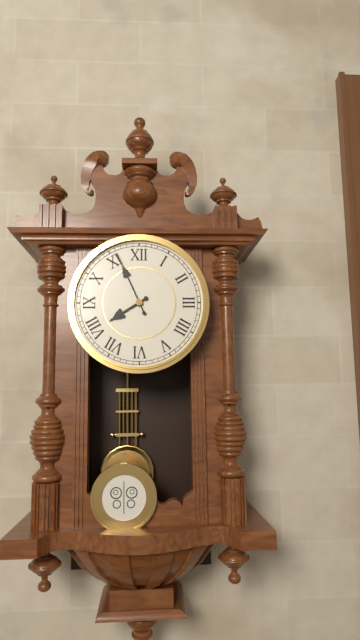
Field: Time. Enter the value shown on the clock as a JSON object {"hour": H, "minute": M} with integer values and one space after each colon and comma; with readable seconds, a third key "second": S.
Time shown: {"hour": 7, "minute": 56}
